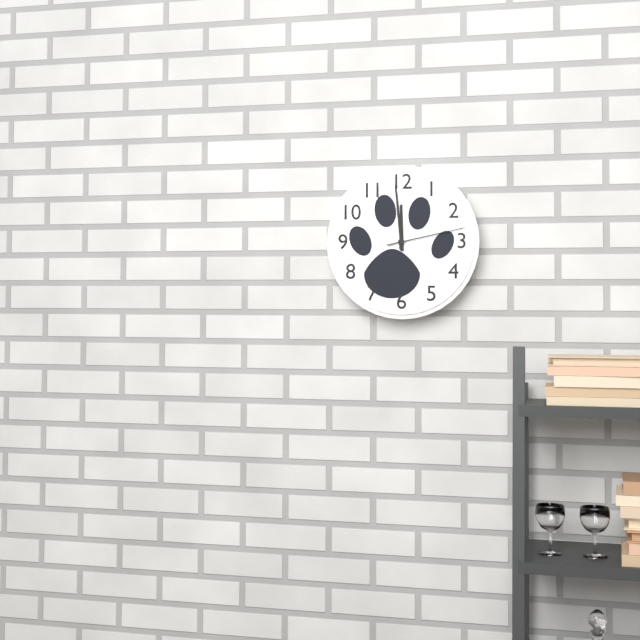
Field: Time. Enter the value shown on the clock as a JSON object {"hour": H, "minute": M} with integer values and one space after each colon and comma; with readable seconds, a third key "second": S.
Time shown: {"hour": 11, "minute": 59, "second": 13}
